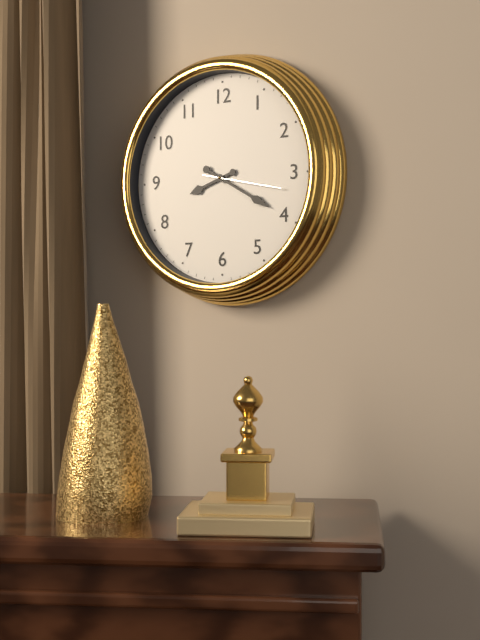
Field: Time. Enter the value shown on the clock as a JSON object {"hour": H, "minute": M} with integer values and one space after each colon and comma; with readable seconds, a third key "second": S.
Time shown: {"hour": 8, "minute": 20, "second": 17}
